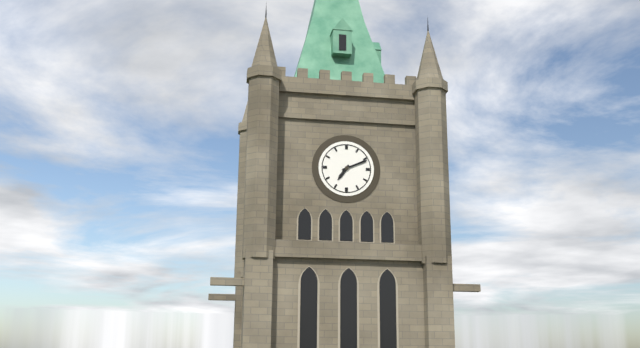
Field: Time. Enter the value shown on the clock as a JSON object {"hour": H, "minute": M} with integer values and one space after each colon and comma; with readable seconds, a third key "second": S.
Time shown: {"hour": 7, "minute": 11}
